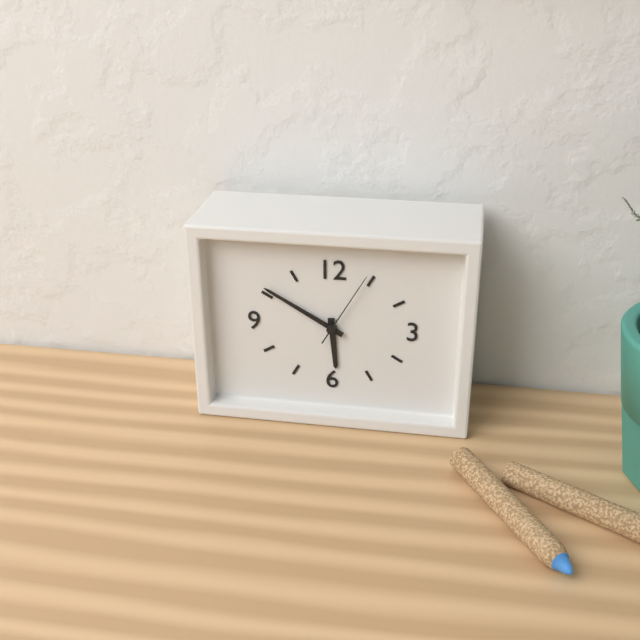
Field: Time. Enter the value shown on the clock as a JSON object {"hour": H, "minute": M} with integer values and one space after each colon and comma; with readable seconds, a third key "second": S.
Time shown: {"hour": 5, "minute": 50, "second": 5}
